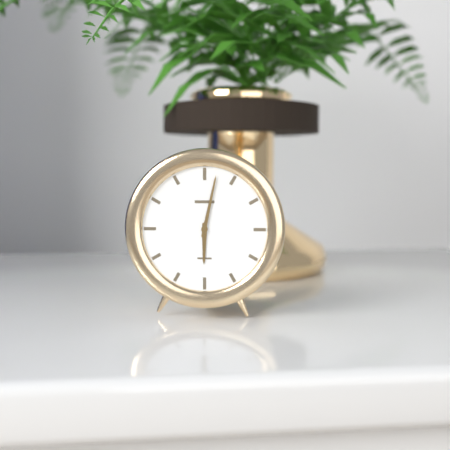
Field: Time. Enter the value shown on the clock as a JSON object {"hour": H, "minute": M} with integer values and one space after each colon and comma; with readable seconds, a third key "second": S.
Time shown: {"hour": 6, "minute": 2}
